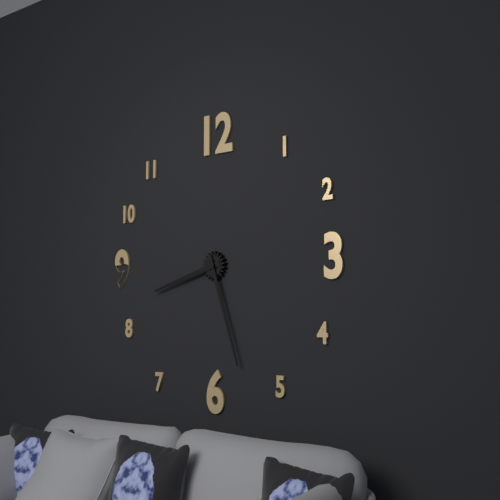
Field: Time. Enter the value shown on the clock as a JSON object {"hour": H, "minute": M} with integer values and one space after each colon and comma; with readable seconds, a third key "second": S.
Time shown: {"hour": 8, "minute": 27}
